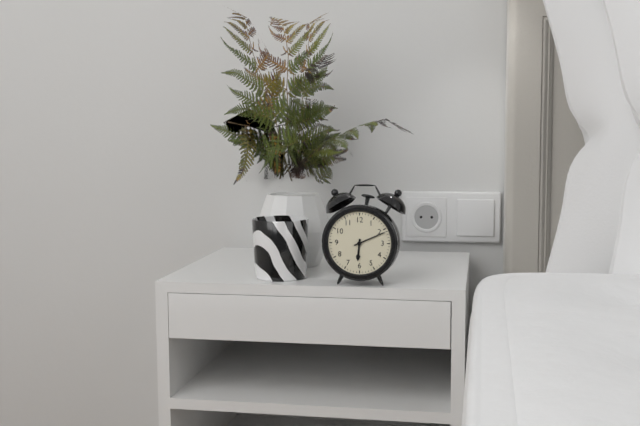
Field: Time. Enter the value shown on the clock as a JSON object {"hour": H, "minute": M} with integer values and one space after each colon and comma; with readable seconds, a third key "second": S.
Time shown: {"hour": 6, "minute": 11}
